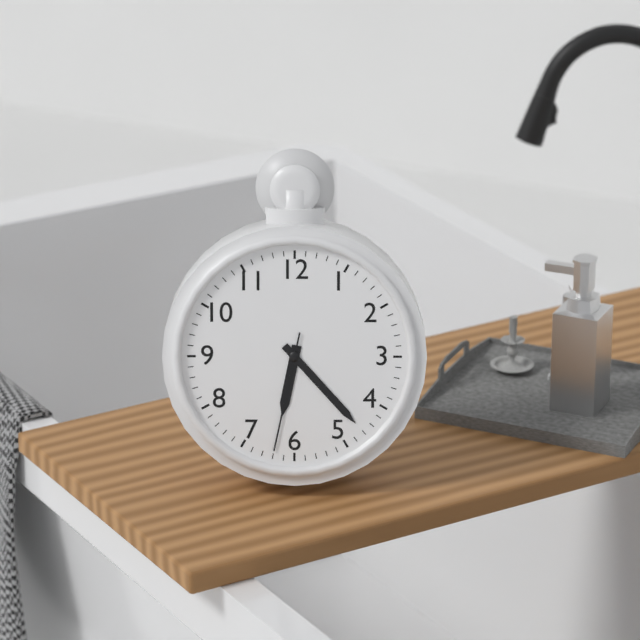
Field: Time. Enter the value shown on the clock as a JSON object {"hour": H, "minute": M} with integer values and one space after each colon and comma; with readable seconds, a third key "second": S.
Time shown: {"hour": 6, "minute": 23, "second": 32}
